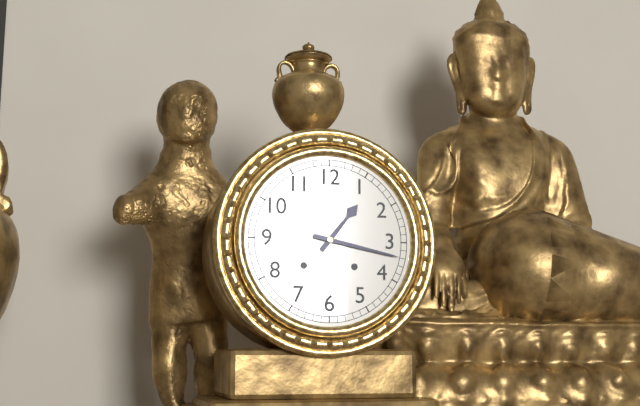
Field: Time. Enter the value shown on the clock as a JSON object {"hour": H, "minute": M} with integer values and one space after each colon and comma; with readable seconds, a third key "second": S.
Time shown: {"hour": 1, "minute": 17}
